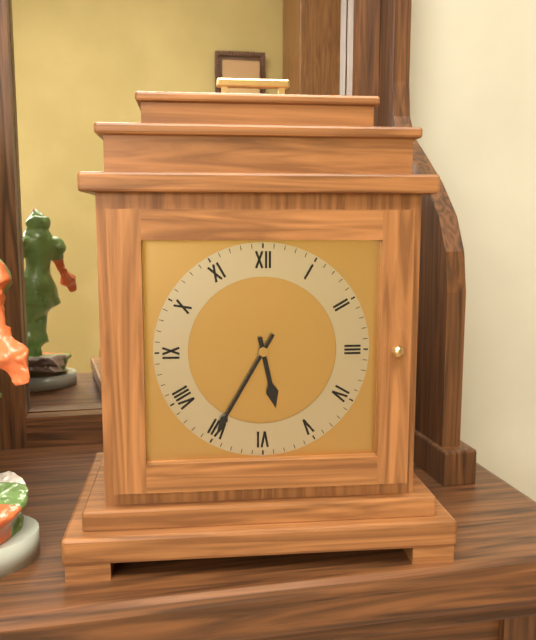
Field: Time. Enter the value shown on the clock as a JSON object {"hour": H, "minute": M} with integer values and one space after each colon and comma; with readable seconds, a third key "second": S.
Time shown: {"hour": 5, "minute": 35}
